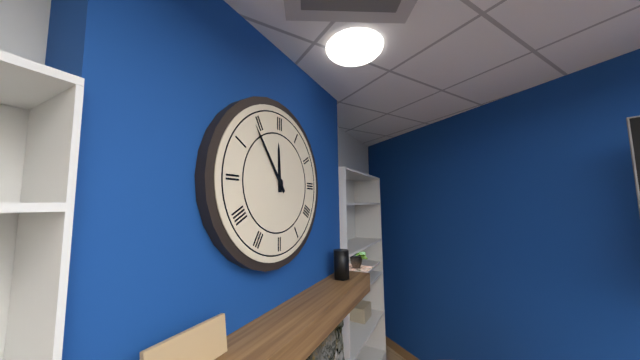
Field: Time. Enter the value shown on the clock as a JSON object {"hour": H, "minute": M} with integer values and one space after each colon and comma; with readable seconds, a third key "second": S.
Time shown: {"hour": 11, "minute": 54}
